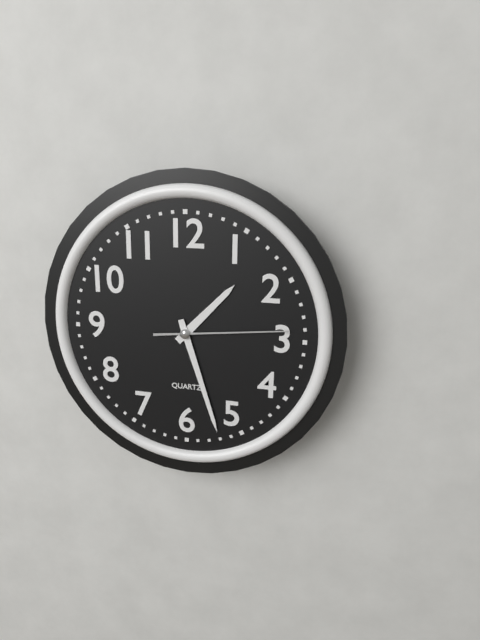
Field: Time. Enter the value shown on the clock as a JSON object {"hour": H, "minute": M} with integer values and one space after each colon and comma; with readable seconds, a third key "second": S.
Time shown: {"hour": 1, "minute": 27, "second": 14}
